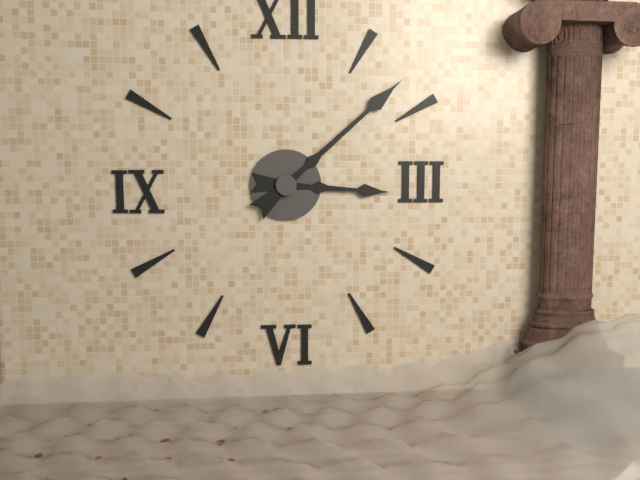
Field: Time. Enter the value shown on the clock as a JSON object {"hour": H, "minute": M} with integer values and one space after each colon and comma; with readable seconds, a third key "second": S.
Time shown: {"hour": 3, "minute": 8}
